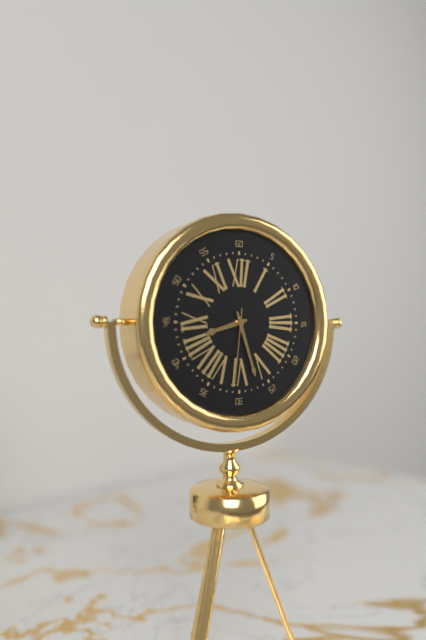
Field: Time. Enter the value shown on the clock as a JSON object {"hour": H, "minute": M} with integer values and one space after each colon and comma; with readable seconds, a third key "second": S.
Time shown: {"hour": 8, "minute": 27, "second": 31}
